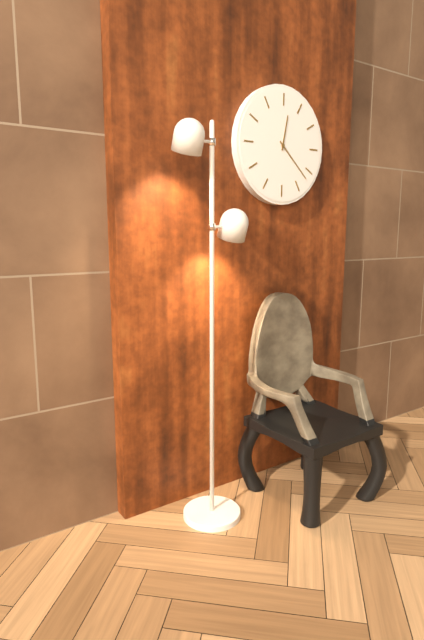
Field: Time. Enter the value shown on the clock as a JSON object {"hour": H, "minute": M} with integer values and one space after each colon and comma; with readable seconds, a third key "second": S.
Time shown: {"hour": 12, "minute": 22}
